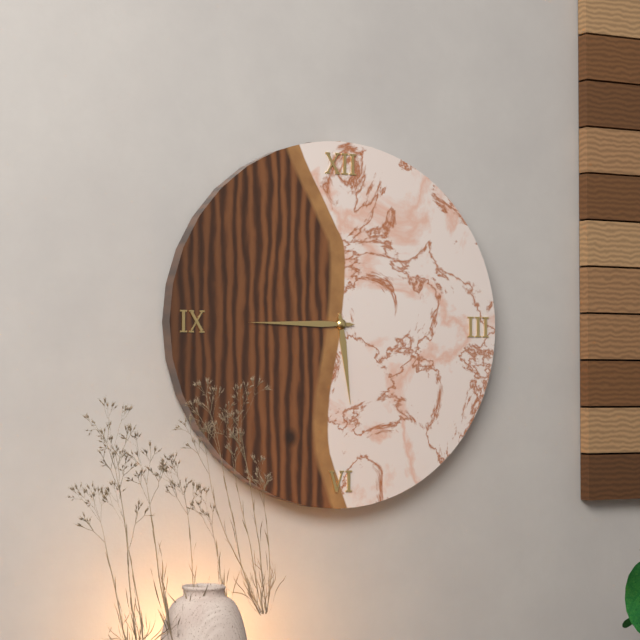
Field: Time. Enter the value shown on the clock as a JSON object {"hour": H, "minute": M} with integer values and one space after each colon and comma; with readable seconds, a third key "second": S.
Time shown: {"hour": 5, "minute": 45}
